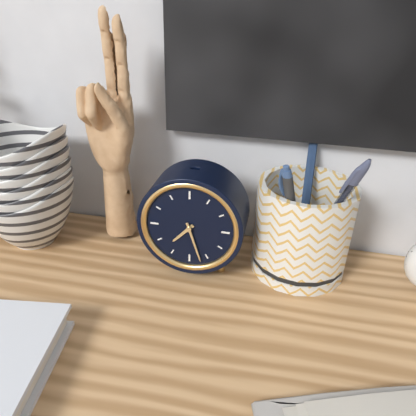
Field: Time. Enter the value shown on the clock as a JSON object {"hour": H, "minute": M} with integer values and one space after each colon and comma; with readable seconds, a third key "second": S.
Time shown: {"hour": 7, "minute": 27}
